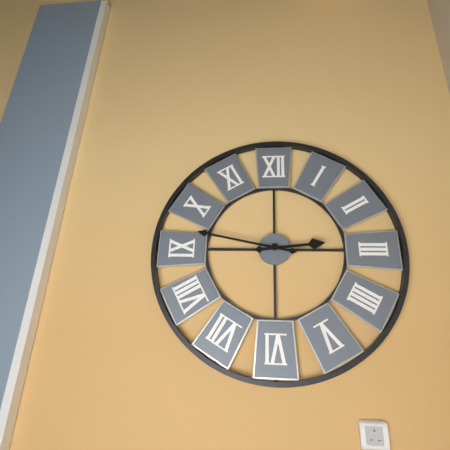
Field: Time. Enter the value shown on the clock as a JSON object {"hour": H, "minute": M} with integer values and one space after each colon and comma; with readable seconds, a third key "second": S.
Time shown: {"hour": 2, "minute": 47}
